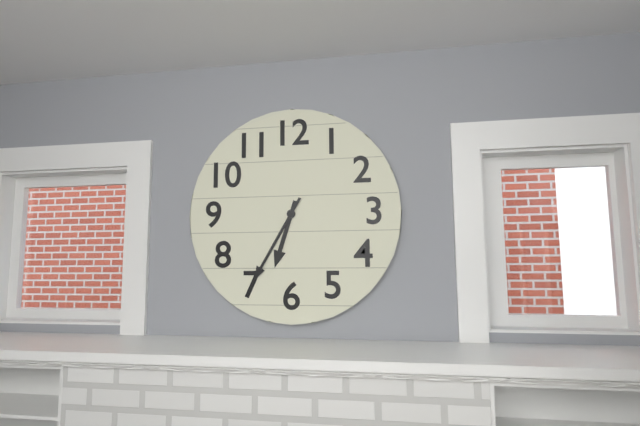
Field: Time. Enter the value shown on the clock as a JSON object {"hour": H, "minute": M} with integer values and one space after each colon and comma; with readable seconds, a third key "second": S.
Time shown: {"hour": 6, "minute": 35}
